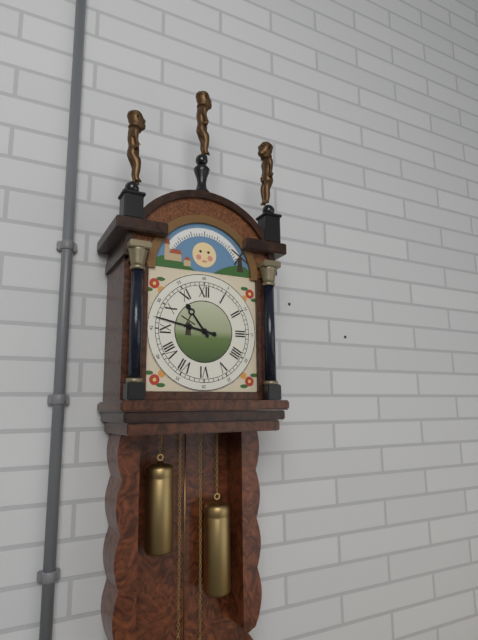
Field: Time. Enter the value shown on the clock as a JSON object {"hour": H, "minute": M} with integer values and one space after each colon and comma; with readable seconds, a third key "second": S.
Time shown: {"hour": 10, "minute": 47}
